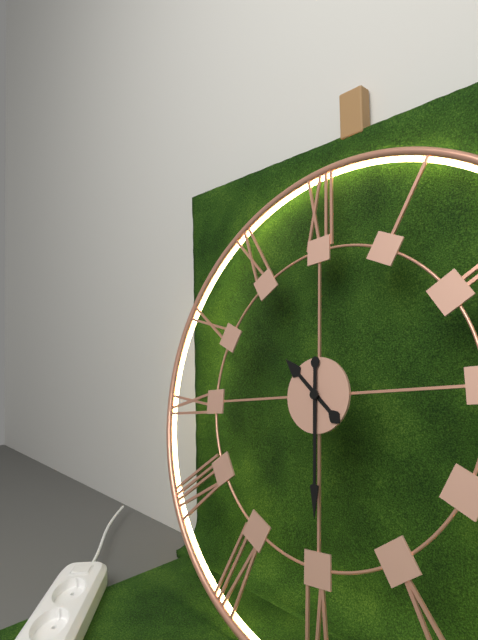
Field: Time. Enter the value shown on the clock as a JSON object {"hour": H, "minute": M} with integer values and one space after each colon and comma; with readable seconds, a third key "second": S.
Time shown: {"hour": 10, "minute": 30}
